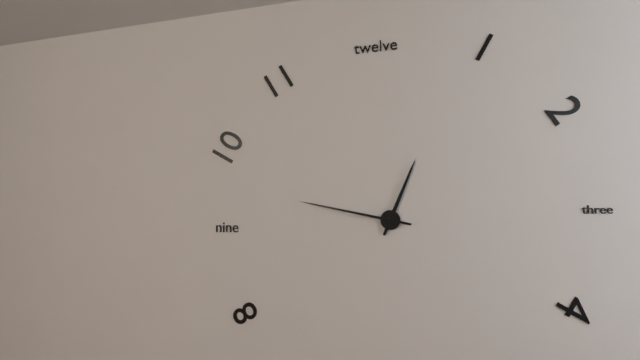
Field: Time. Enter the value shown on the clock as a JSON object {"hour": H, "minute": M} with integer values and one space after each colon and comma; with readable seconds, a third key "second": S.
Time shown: {"hour": 12, "minute": 47}
